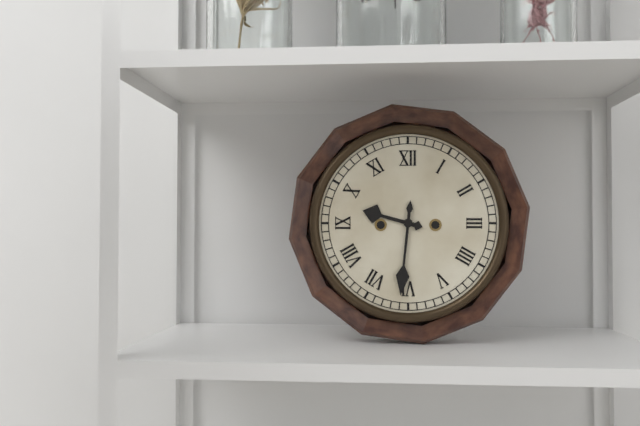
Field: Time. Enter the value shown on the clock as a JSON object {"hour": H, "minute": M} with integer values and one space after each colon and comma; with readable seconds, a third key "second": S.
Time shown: {"hour": 9, "minute": 31}
